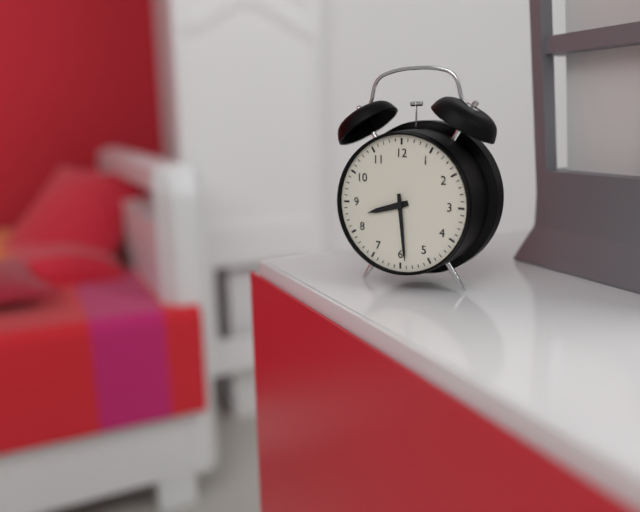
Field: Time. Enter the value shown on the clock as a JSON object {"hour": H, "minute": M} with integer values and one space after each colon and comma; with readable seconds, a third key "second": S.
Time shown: {"hour": 8, "minute": 29}
